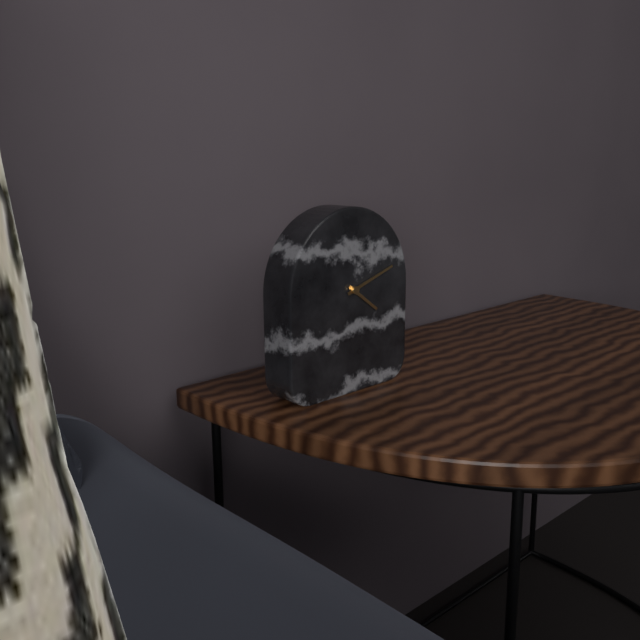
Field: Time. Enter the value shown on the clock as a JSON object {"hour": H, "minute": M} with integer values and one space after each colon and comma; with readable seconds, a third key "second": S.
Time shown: {"hour": 4, "minute": 12}
